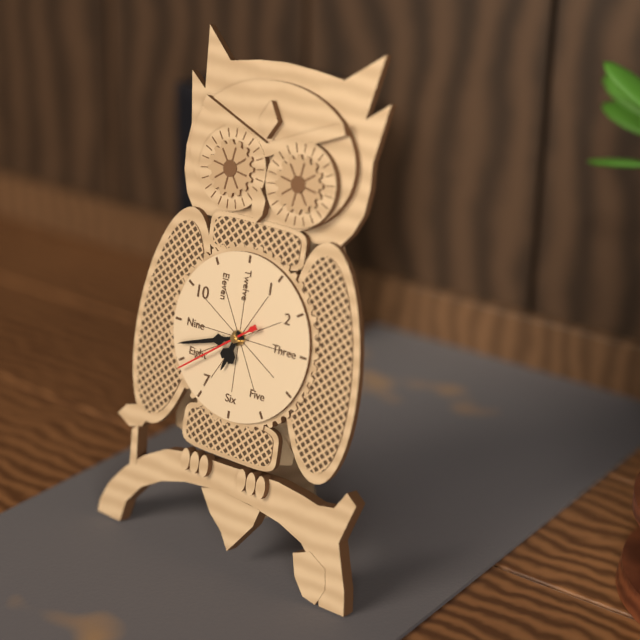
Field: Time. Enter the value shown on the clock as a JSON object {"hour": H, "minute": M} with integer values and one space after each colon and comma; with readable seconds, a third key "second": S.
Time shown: {"hour": 6, "minute": 42, "second": 39}
